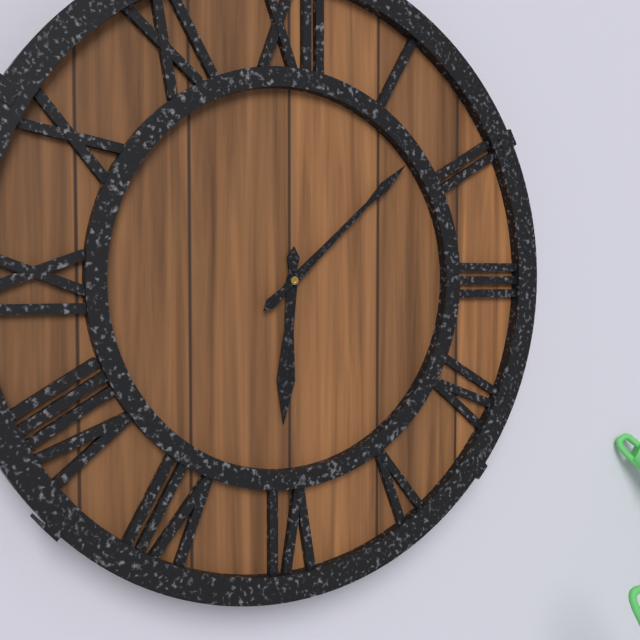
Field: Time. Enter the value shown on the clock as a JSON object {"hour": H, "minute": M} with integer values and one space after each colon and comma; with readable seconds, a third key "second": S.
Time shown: {"hour": 6, "minute": 8}
